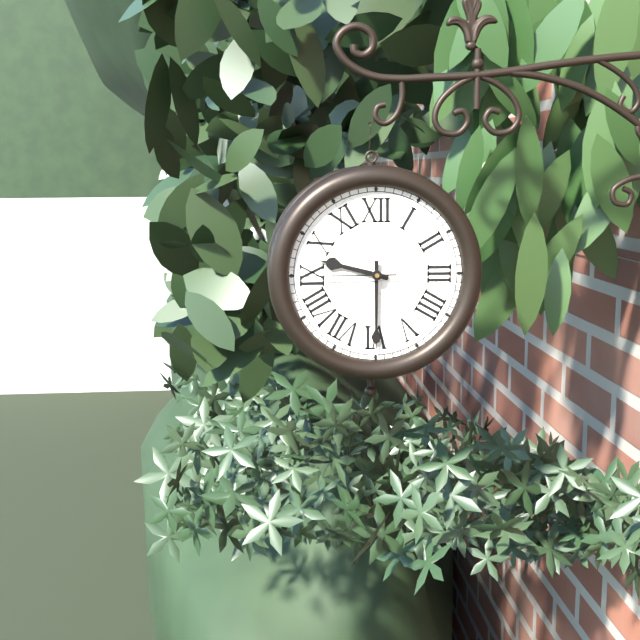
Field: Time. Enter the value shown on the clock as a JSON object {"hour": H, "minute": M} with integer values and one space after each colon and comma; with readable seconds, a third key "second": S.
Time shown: {"hour": 9, "minute": 30, "second": 45}
